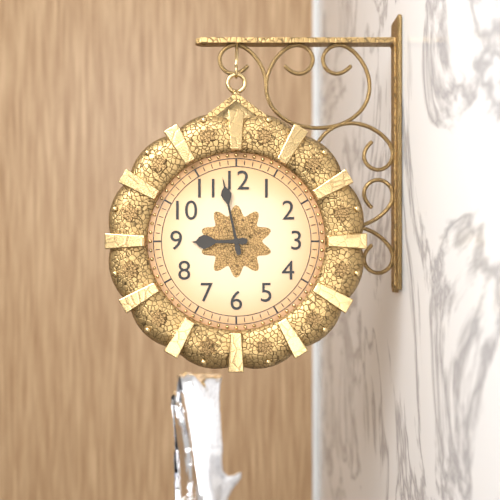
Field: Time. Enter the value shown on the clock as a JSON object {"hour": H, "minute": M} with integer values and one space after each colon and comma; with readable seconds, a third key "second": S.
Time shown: {"hour": 8, "minute": 58}
